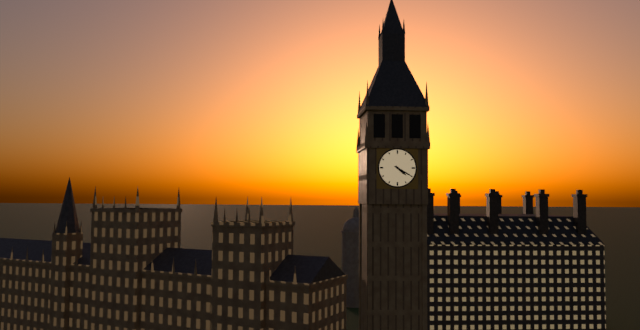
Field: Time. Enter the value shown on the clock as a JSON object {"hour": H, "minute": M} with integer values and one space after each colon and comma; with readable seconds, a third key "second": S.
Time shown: {"hour": 4, "minute": 20}
